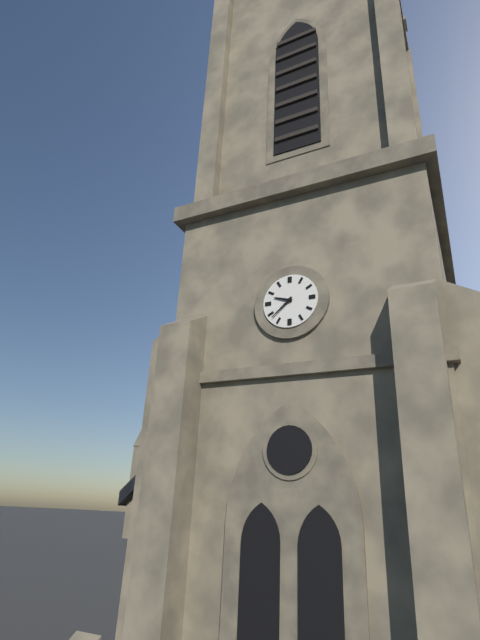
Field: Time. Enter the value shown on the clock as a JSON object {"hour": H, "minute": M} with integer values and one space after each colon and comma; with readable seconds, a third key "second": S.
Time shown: {"hour": 9, "minute": 38}
